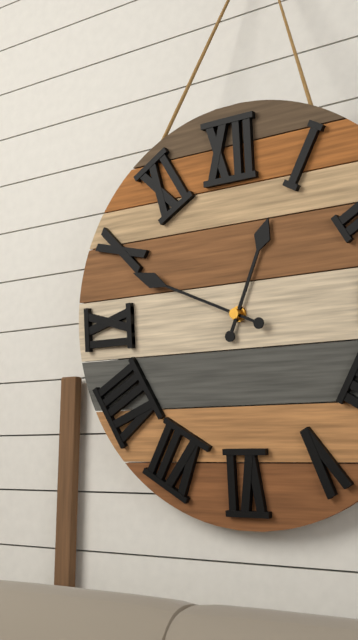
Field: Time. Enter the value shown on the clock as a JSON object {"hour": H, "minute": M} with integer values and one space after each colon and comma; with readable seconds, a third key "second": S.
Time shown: {"hour": 12, "minute": 49}
